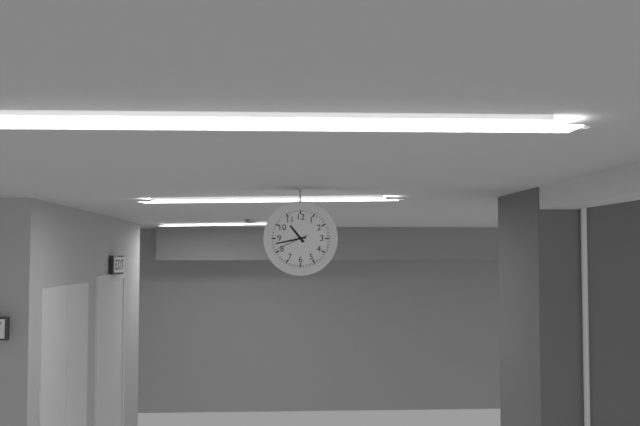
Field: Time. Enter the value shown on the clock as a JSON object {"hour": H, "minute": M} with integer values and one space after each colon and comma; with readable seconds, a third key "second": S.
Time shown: {"hour": 10, "minute": 43}
